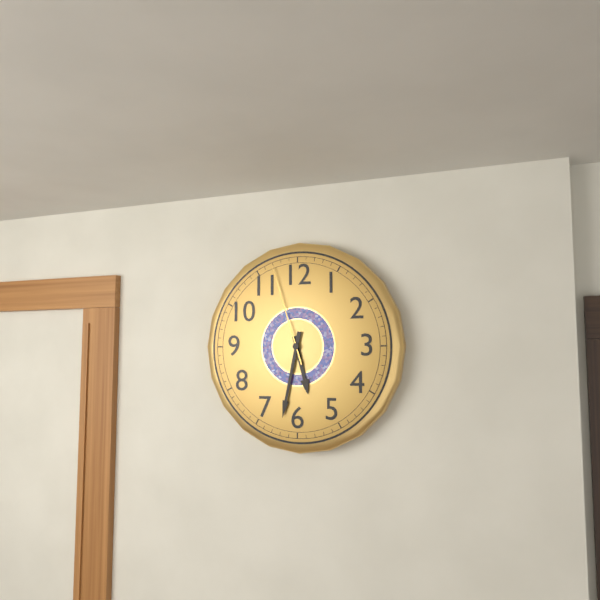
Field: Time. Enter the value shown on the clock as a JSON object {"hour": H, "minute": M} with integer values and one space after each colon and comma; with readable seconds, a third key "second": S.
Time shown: {"hour": 5, "minute": 32, "second": 57}
